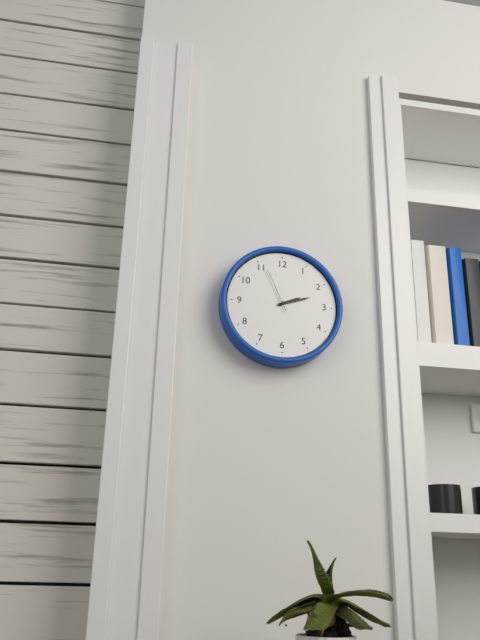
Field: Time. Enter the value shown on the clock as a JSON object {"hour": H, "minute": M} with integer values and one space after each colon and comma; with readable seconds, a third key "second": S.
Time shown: {"hour": 2, "minute": 12}
